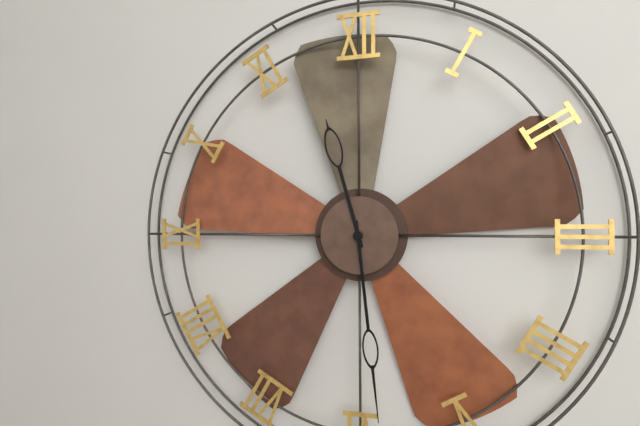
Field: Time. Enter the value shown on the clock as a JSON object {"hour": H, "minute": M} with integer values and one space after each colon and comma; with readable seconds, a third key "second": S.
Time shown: {"hour": 11, "minute": 29}
